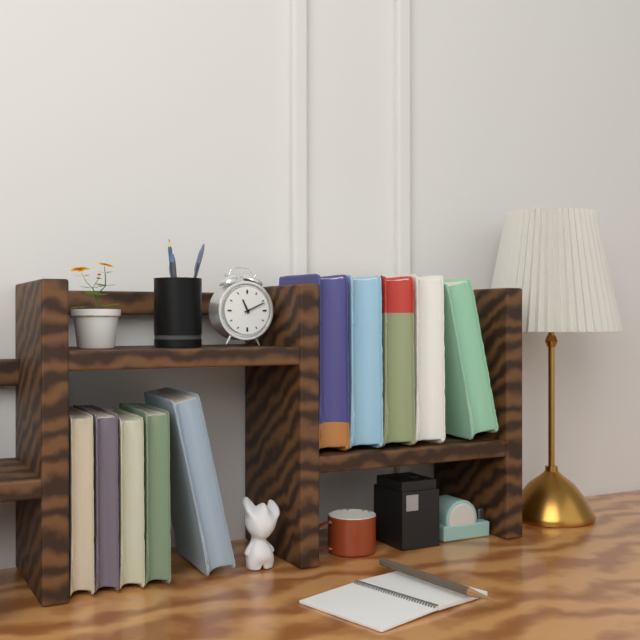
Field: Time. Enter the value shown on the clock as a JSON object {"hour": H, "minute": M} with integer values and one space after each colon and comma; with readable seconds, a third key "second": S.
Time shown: {"hour": 11, "minute": 11}
